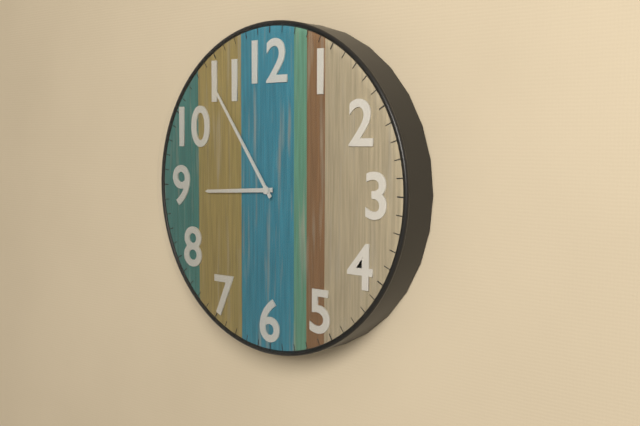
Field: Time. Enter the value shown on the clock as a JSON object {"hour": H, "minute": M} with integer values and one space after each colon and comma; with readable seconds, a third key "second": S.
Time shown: {"hour": 8, "minute": 54}
